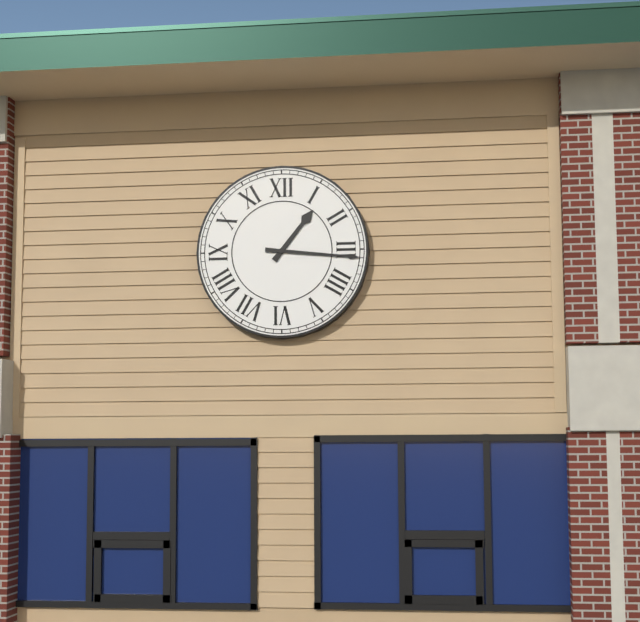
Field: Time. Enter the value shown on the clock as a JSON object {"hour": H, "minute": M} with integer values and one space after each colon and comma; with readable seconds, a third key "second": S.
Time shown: {"hour": 1, "minute": 16}
